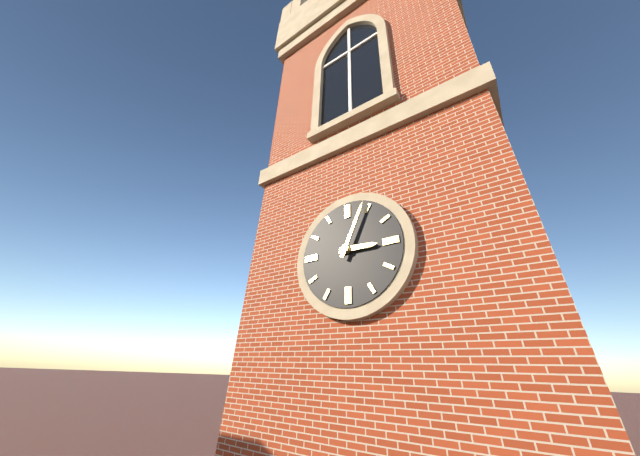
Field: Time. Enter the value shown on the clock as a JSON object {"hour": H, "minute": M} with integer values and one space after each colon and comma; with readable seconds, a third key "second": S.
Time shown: {"hour": 3, "minute": 4}
